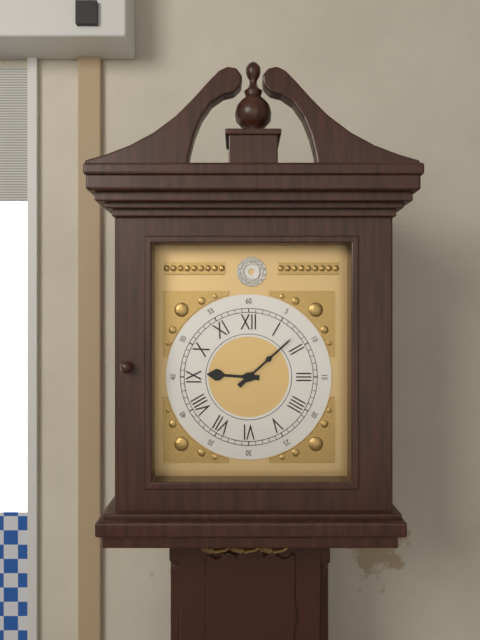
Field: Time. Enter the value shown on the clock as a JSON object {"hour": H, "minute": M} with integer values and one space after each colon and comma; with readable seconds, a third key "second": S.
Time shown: {"hour": 9, "minute": 8}
